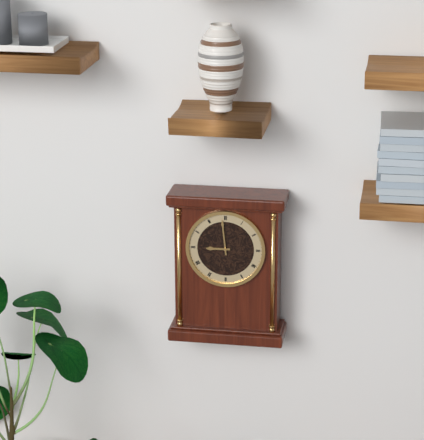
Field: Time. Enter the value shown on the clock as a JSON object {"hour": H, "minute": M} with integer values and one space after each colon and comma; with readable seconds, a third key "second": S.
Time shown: {"hour": 8, "minute": 59}
